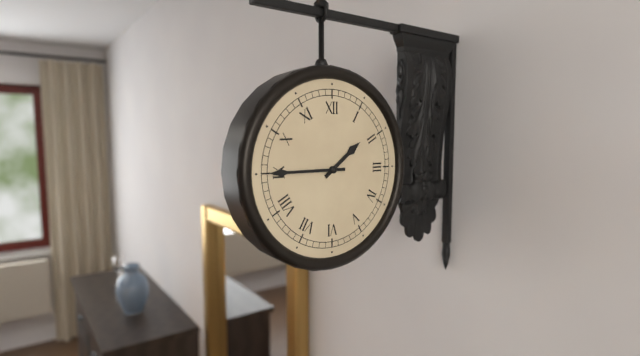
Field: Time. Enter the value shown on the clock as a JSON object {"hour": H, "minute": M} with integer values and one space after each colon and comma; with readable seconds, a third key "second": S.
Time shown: {"hour": 1, "minute": 45}
